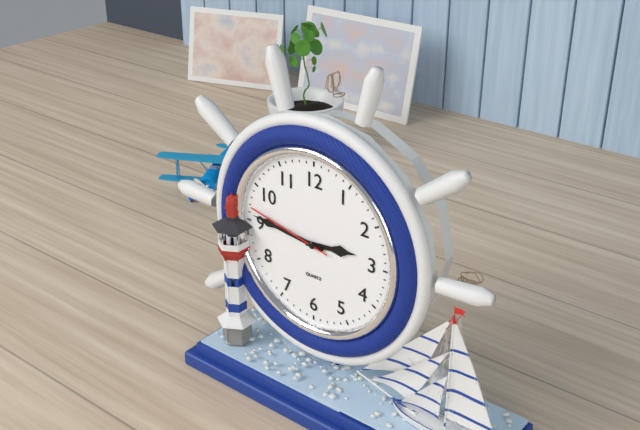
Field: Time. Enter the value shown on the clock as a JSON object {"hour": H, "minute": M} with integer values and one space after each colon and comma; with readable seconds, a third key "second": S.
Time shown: {"hour": 2, "minute": 46, "second": 47}
